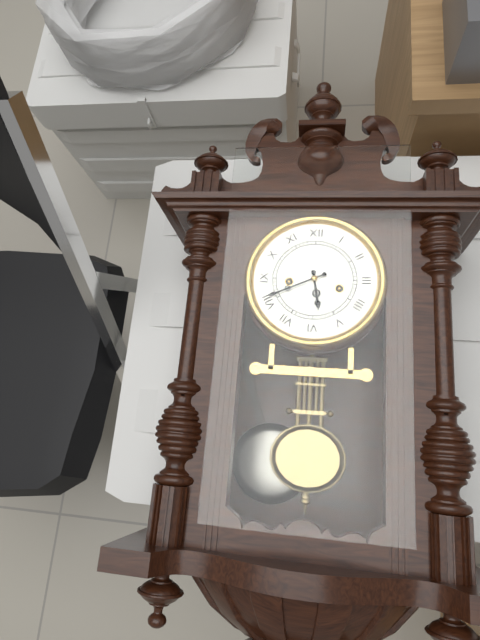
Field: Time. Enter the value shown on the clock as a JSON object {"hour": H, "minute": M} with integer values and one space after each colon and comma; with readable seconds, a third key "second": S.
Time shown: {"hour": 5, "minute": 41}
